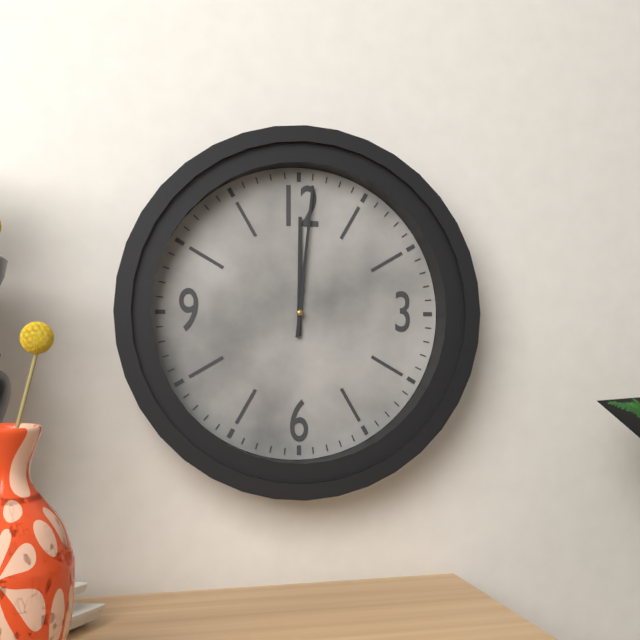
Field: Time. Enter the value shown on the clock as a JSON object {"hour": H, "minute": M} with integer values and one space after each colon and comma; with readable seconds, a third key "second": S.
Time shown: {"hour": 12, "minute": 1}
